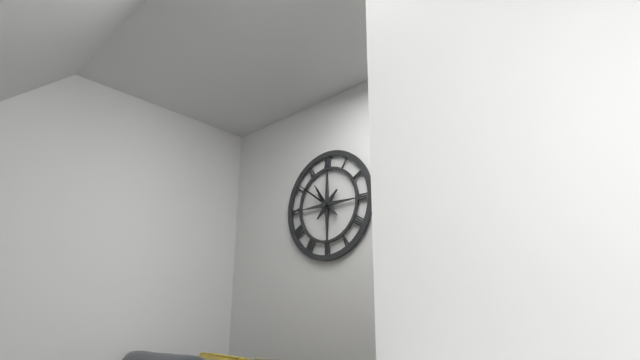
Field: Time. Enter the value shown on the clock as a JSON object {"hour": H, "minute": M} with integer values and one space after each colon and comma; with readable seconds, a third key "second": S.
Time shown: {"hour": 10, "minute": 51}
